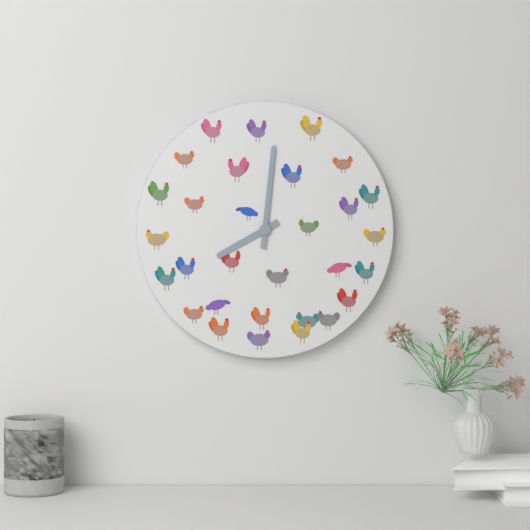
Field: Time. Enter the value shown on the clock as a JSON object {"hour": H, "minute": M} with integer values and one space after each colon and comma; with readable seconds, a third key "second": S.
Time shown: {"hour": 8, "minute": 1}
